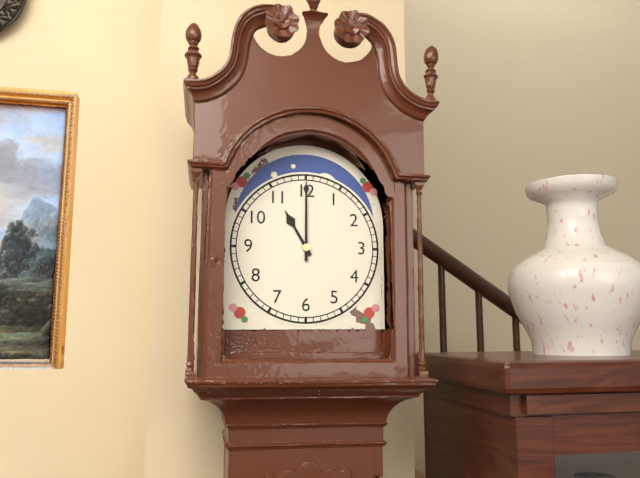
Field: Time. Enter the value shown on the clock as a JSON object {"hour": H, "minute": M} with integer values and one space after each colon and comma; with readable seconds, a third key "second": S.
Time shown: {"hour": 11, "minute": 0}
